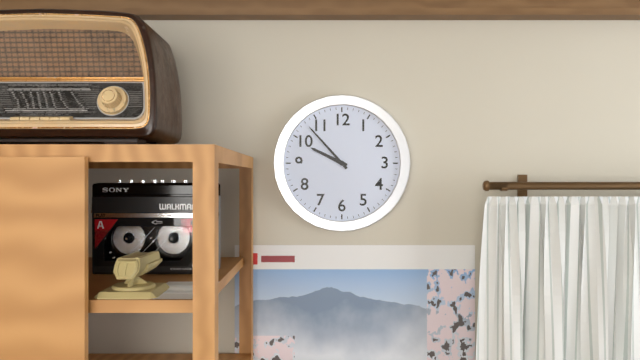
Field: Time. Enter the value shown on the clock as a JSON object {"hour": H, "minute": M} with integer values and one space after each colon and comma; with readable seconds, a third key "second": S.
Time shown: {"hour": 9, "minute": 53}
